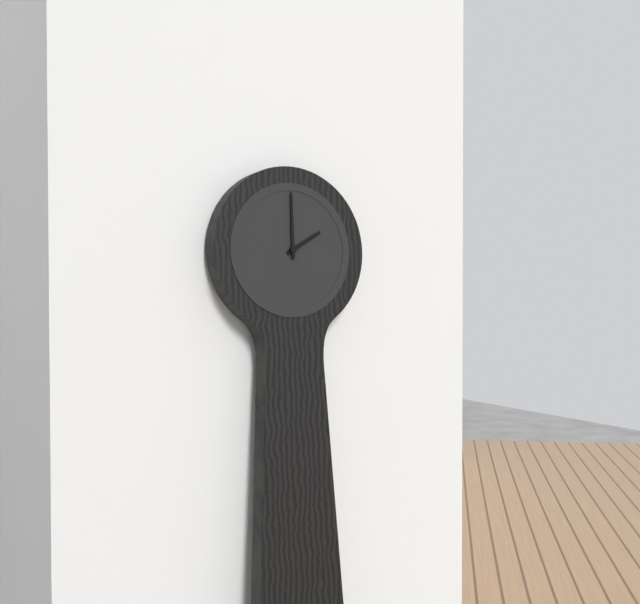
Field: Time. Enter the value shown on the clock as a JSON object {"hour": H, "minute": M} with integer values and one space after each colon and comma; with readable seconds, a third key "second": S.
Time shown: {"hour": 2, "minute": 0}
